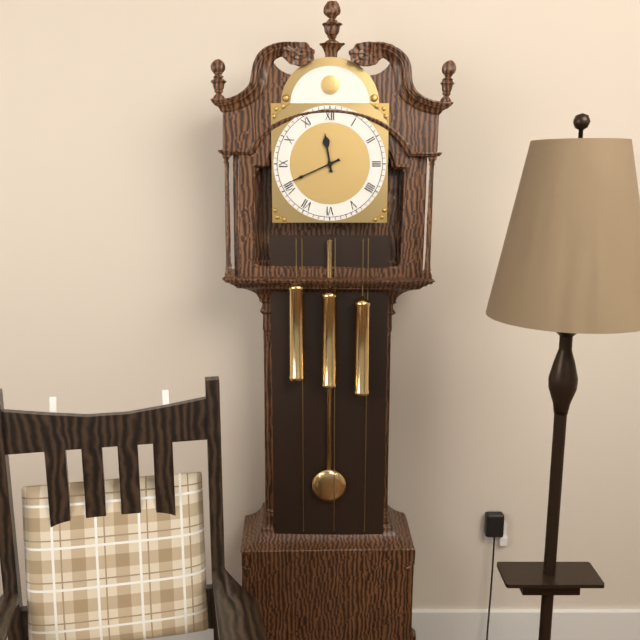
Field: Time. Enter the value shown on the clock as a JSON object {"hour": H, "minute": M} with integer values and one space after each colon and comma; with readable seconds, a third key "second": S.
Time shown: {"hour": 11, "minute": 41}
